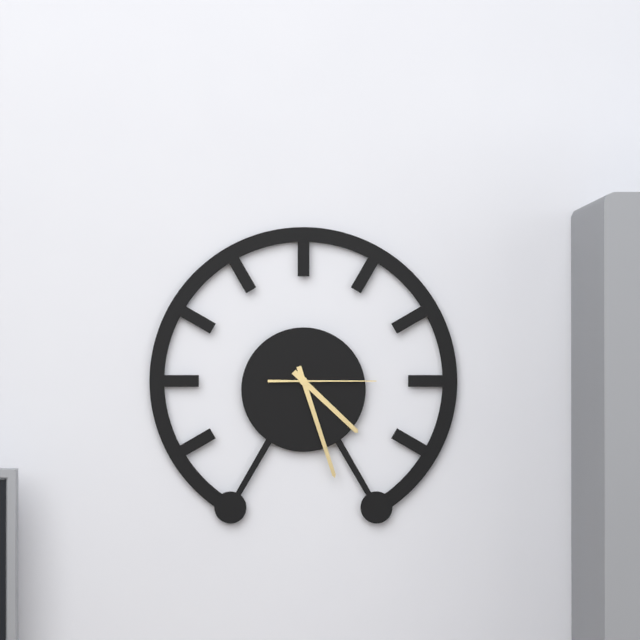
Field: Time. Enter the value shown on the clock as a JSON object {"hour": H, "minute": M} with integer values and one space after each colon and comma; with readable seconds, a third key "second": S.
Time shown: {"hour": 4, "minute": 27, "second": 15}
